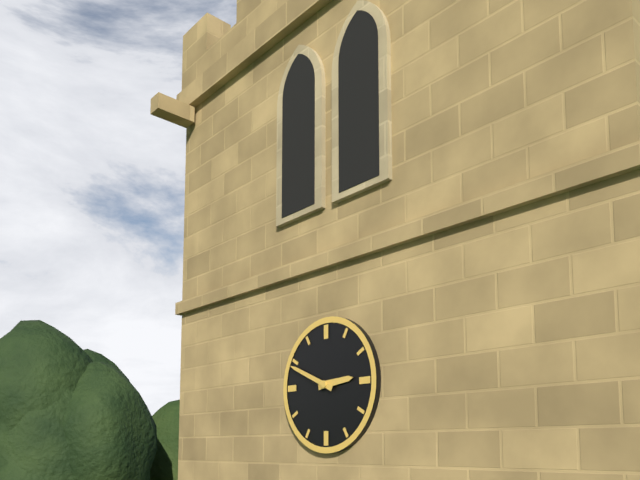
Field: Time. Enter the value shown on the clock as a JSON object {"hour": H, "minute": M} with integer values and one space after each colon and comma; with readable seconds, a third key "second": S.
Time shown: {"hour": 2, "minute": 49}
